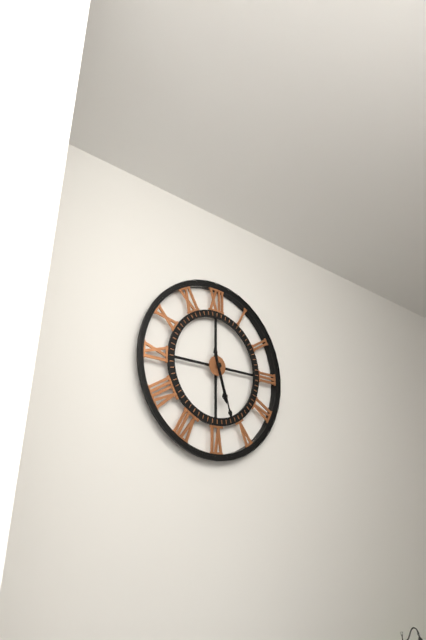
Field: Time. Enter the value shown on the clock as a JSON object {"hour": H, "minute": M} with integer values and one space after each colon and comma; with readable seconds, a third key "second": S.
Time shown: {"hour": 5, "minute": 27}
